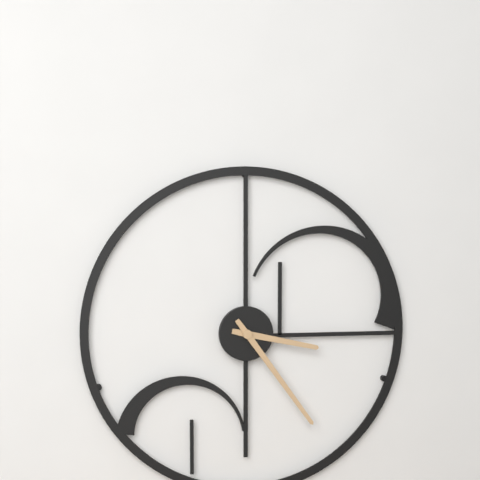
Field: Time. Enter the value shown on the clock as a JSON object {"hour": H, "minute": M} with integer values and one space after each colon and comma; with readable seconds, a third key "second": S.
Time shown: {"hour": 3, "minute": 24}
